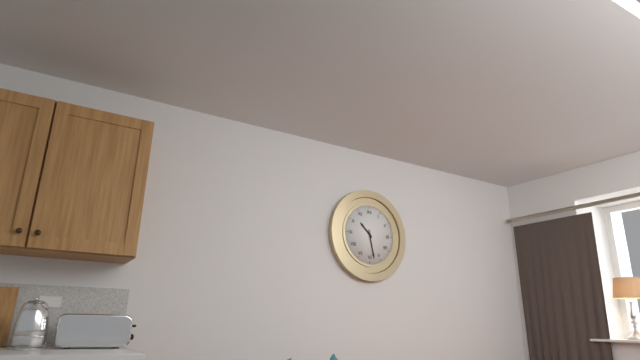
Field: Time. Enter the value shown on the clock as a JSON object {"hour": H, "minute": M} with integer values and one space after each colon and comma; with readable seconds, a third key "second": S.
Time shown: {"hour": 10, "minute": 28}
